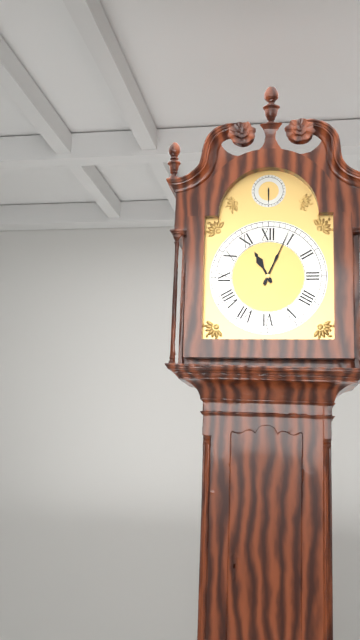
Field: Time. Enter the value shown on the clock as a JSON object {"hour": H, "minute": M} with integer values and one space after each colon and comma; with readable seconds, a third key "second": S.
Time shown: {"hour": 11, "minute": 4}
